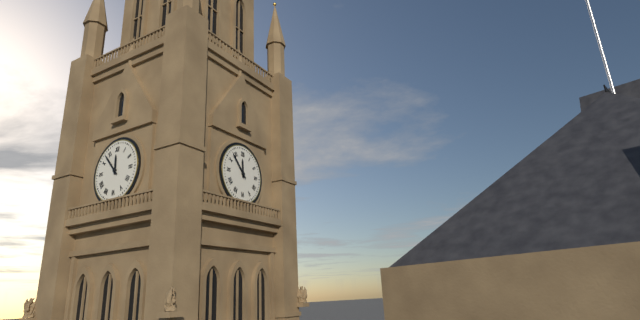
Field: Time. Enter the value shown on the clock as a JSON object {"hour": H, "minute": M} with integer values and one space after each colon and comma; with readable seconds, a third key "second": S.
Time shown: {"hour": 11, "minute": 53}
